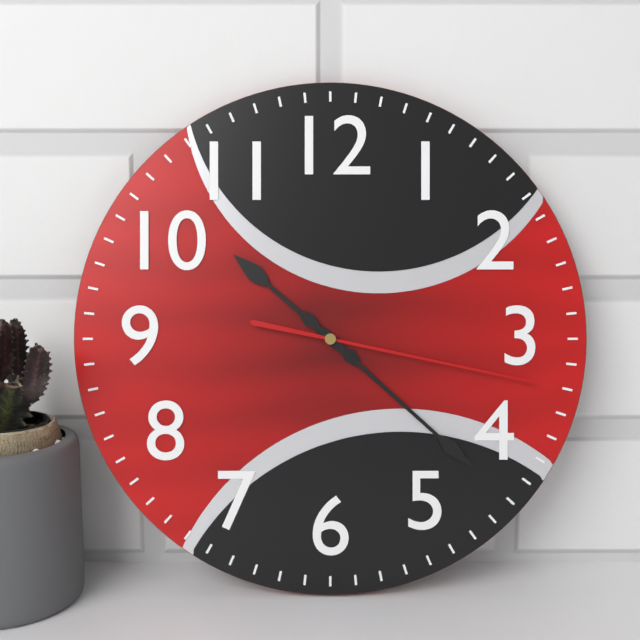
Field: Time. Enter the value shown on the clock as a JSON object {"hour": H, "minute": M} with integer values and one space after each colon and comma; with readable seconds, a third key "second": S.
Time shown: {"hour": 10, "minute": 22, "second": 17}
